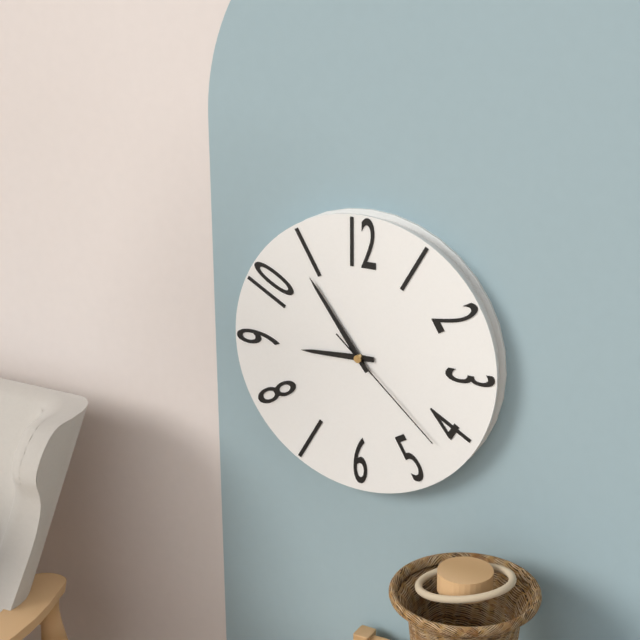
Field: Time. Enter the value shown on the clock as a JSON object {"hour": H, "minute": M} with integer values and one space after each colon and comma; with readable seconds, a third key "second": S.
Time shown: {"hour": 8, "minute": 54, "second": 22}
